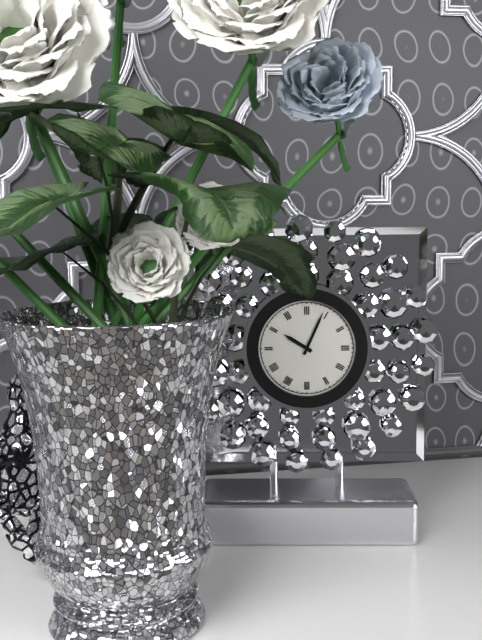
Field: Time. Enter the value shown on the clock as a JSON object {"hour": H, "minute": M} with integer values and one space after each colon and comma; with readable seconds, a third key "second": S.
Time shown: {"hour": 10, "minute": 4}
